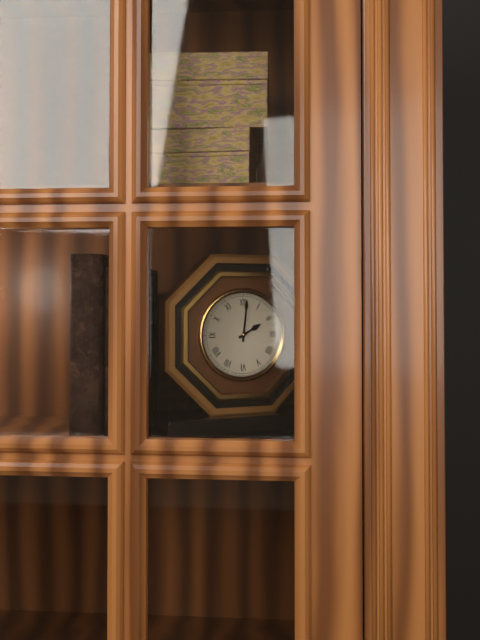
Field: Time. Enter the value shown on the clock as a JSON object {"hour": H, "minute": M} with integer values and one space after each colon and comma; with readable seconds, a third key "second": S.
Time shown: {"hour": 2, "minute": 1}
